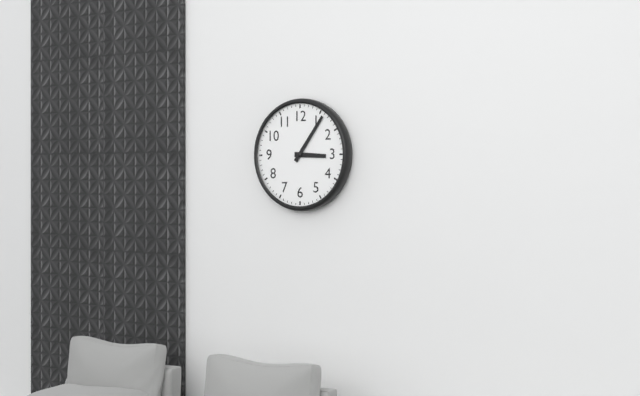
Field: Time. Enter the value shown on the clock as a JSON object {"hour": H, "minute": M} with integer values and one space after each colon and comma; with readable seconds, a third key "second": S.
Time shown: {"hour": 3, "minute": 6}
